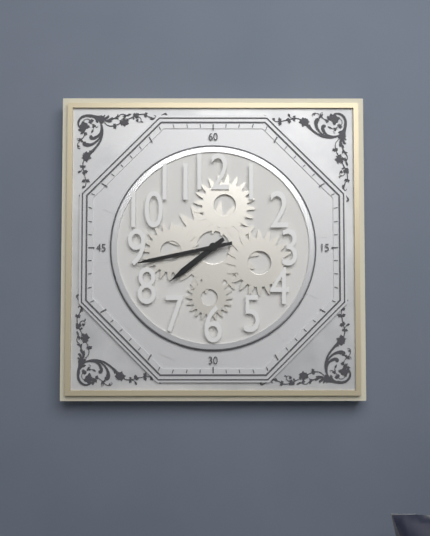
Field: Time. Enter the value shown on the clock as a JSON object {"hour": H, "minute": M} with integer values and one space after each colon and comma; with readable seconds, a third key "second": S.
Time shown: {"hour": 7, "minute": 43}
